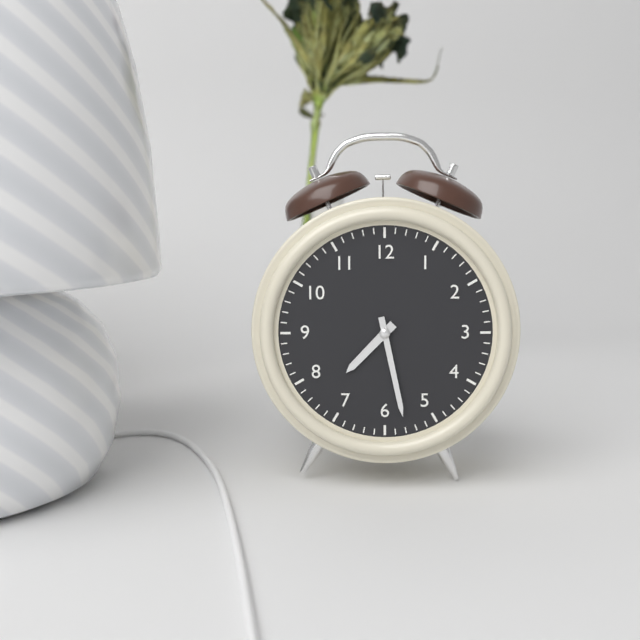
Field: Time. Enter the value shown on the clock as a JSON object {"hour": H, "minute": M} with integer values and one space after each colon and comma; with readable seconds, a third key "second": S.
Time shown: {"hour": 7, "minute": 28}
